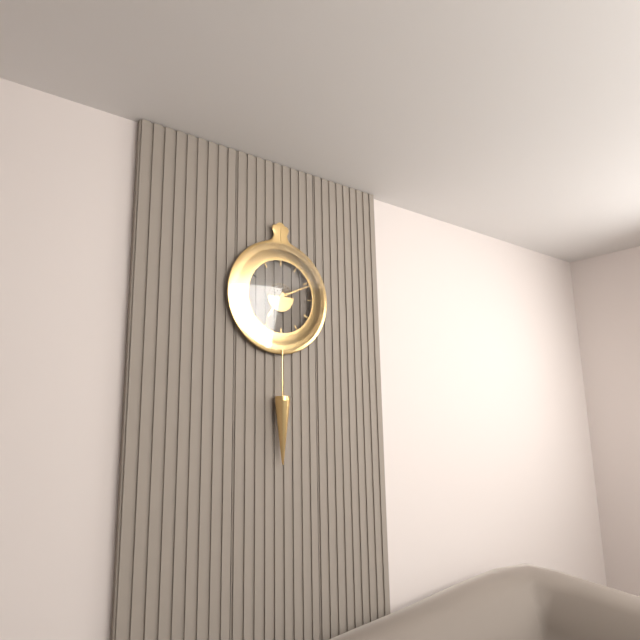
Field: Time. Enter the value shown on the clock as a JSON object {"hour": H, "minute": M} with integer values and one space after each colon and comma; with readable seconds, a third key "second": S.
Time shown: {"hour": 7, "minute": 11}
